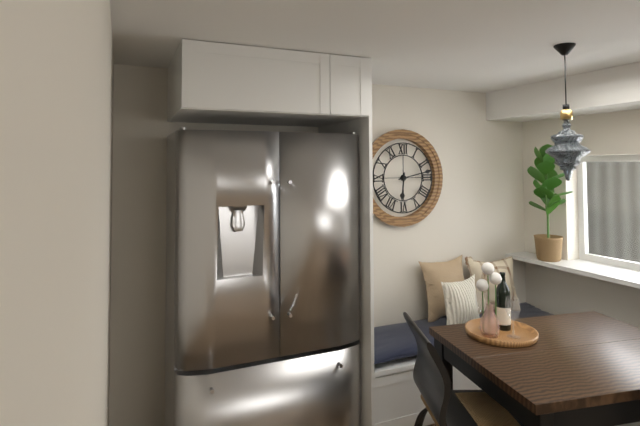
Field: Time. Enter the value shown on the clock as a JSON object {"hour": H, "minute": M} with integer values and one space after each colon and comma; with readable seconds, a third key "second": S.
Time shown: {"hour": 6, "minute": 13}
